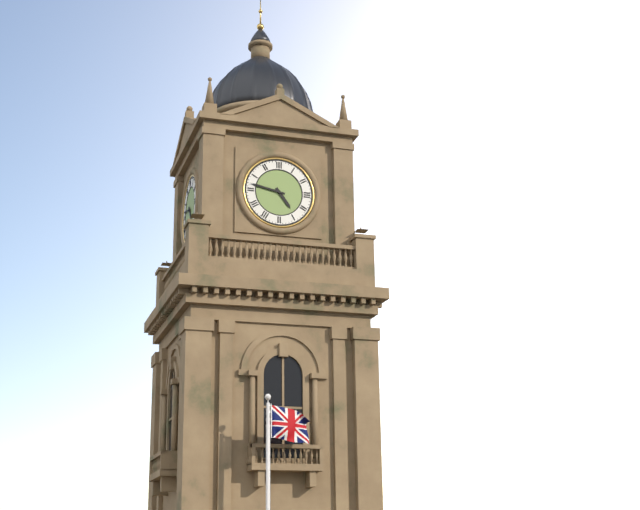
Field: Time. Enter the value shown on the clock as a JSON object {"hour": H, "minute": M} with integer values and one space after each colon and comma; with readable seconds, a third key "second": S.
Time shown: {"hour": 4, "minute": 47}
